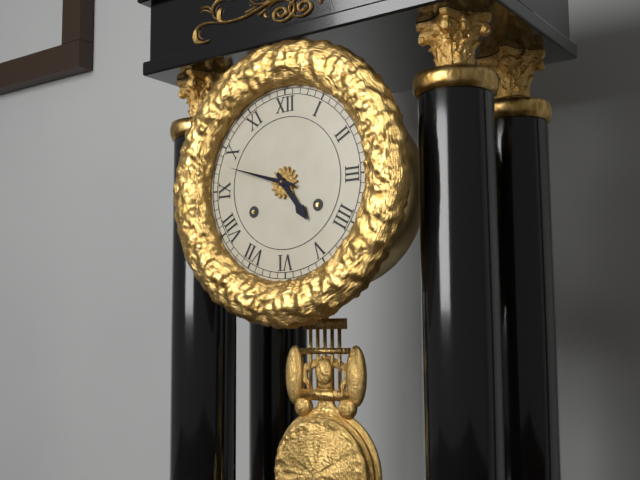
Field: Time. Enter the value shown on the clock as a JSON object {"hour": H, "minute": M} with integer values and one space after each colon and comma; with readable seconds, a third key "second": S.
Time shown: {"hour": 4, "minute": 48}
